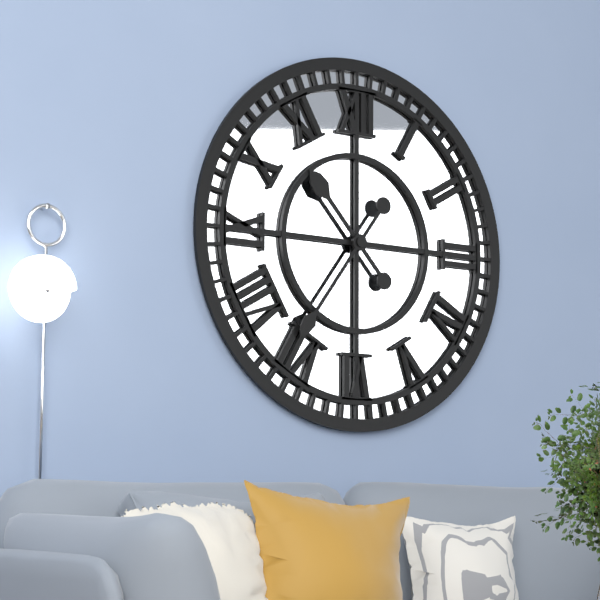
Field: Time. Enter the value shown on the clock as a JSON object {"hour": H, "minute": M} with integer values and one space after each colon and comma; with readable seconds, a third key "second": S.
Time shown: {"hour": 10, "minute": 36}
